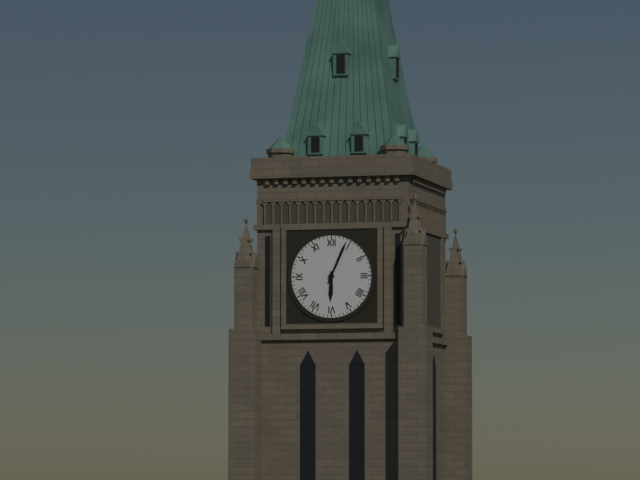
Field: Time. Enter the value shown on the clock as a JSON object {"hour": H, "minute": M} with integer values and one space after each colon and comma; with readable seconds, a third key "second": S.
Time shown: {"hour": 6, "minute": 4}
